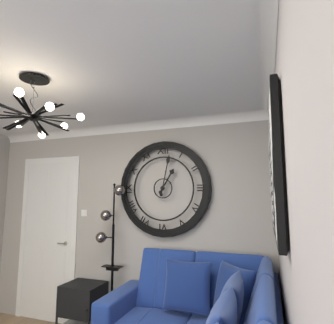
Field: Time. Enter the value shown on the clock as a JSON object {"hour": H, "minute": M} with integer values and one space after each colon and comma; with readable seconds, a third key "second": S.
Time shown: {"hour": 1, "minute": 2}
